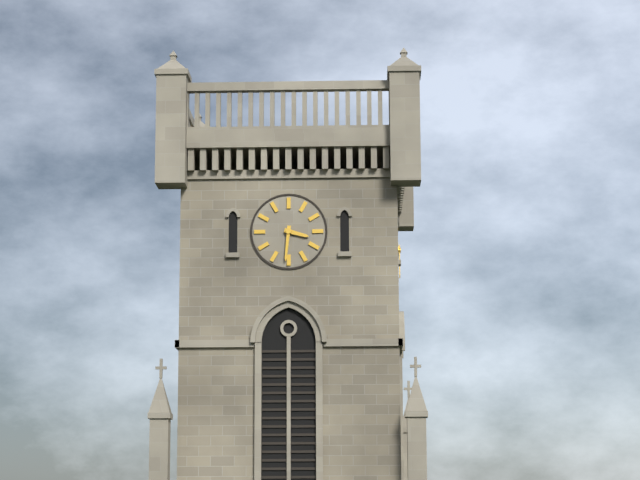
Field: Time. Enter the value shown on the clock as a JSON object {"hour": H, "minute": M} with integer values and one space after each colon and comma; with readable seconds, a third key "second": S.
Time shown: {"hour": 3, "minute": 31}
